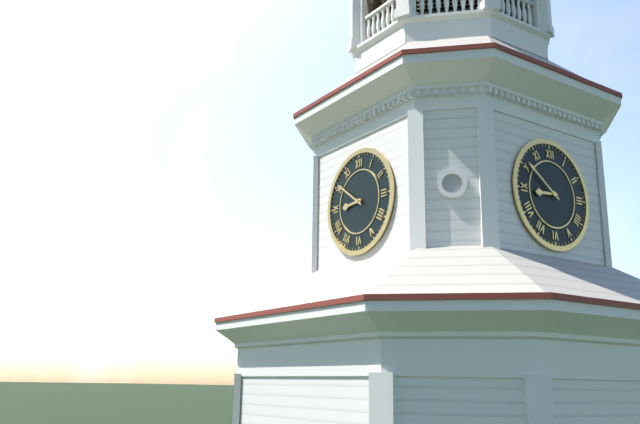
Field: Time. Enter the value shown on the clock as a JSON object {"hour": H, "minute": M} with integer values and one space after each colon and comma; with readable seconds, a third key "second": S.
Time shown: {"hour": 8, "minute": 51}
